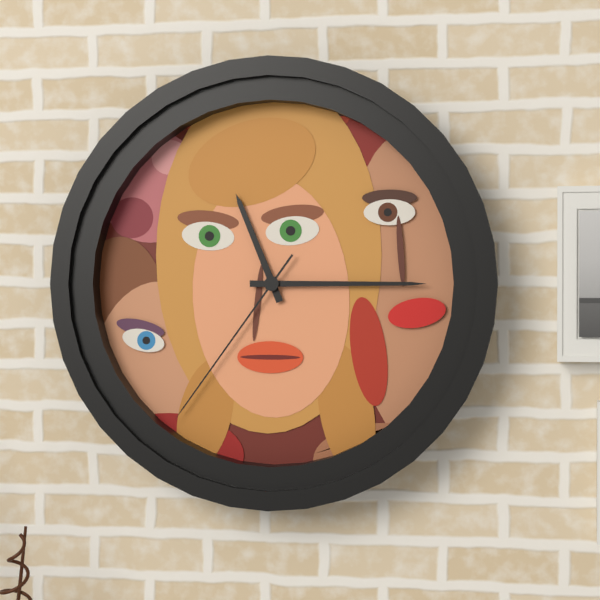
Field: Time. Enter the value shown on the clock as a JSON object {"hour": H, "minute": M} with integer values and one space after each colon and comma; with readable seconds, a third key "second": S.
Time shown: {"hour": 11, "minute": 15, "second": 36}
